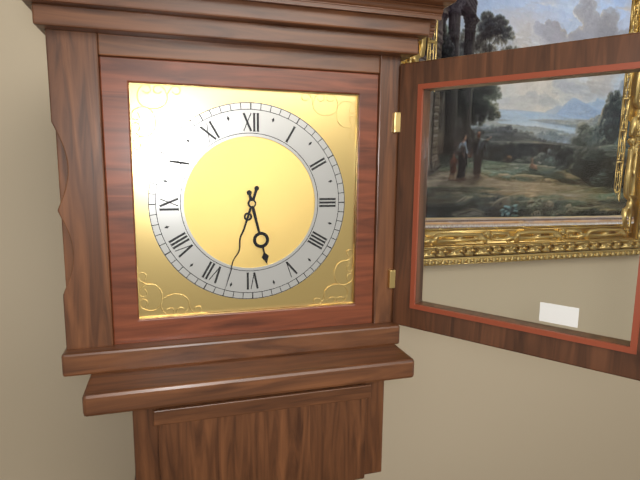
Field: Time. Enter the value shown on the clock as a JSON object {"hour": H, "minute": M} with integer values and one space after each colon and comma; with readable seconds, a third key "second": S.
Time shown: {"hour": 5, "minute": 33}
